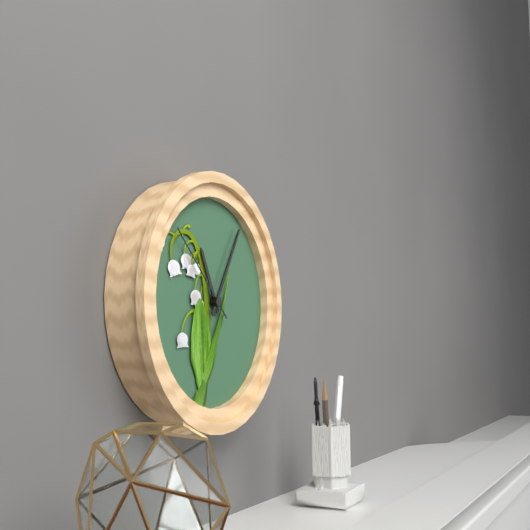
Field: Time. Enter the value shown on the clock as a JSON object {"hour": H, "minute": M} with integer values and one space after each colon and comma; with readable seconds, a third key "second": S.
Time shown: {"hour": 11, "minute": 5, "second": 52}
